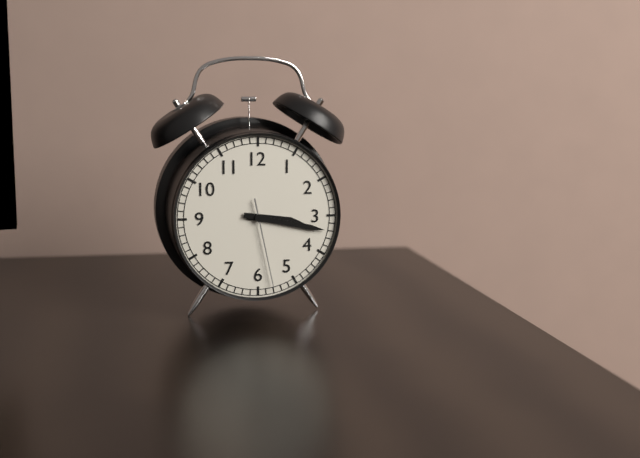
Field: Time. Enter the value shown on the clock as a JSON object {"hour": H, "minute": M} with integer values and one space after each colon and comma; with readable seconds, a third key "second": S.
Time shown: {"hour": 3, "minute": 17, "second": 28}
